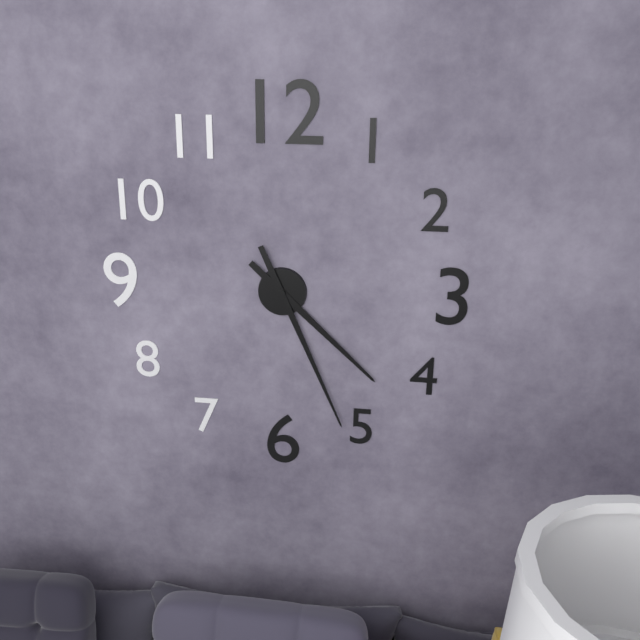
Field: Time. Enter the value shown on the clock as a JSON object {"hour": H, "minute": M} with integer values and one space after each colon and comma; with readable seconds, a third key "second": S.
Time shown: {"hour": 4, "minute": 26}
